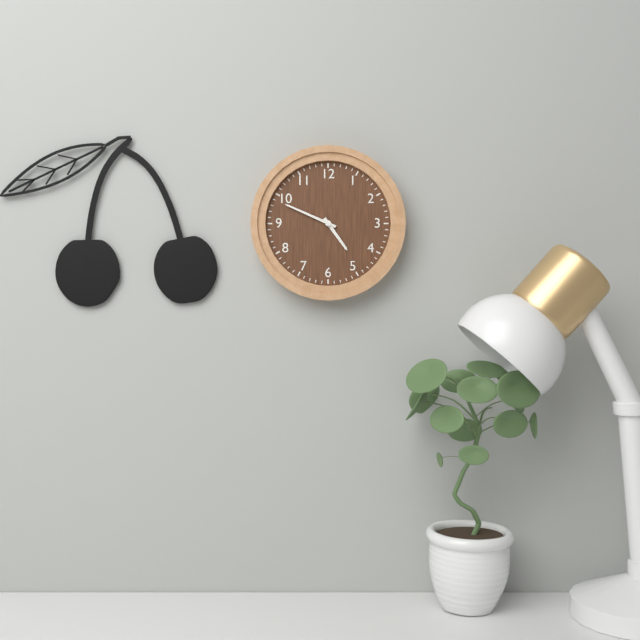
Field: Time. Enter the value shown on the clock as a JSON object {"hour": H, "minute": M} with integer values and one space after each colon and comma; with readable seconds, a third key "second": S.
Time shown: {"hour": 4, "minute": 49}
